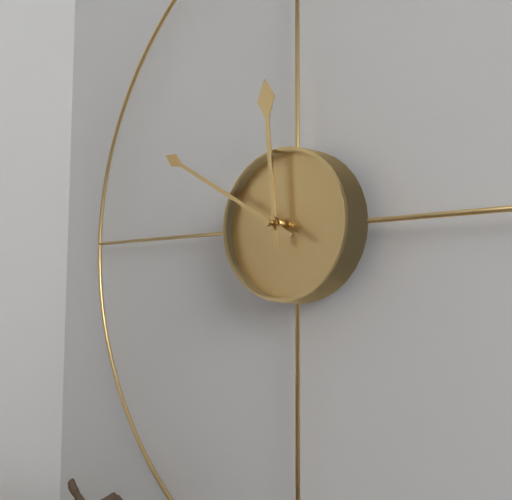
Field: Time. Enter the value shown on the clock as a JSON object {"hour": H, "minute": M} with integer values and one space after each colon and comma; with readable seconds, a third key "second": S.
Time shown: {"hour": 11, "minute": 50}
